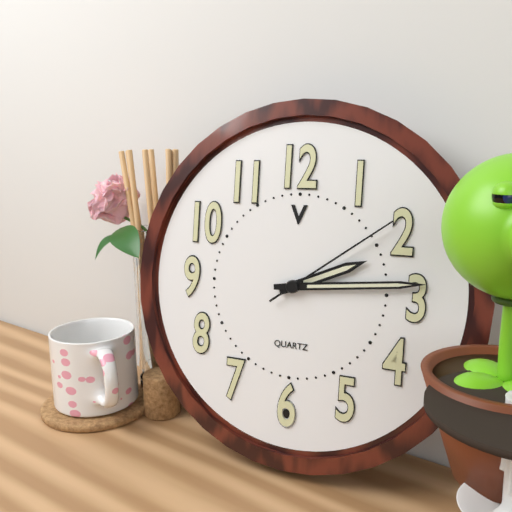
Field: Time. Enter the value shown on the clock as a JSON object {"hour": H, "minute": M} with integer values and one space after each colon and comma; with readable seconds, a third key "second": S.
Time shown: {"hour": 2, "minute": 14, "second": 9}
